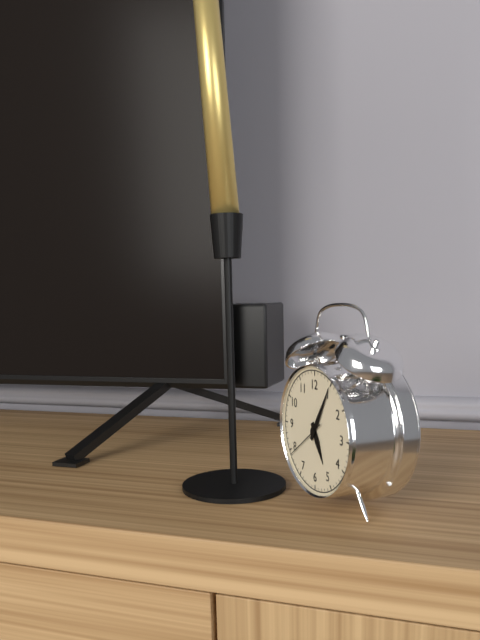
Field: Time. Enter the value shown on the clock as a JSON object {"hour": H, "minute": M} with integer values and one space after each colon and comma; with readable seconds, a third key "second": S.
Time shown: {"hour": 5, "minute": 5}
